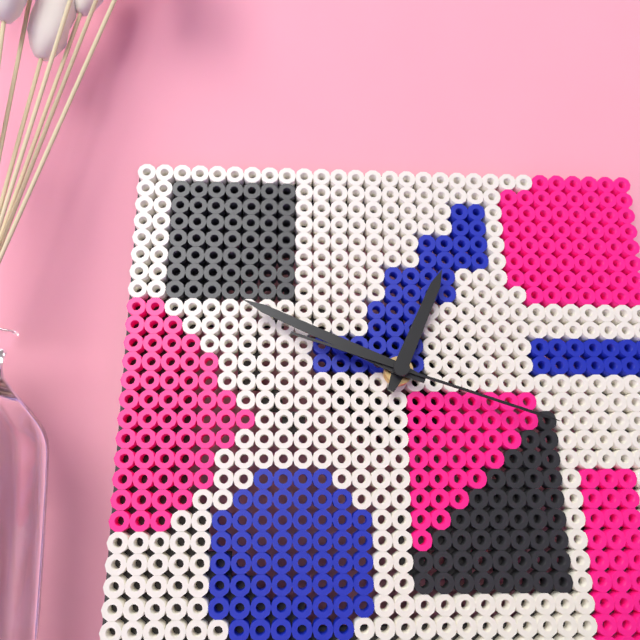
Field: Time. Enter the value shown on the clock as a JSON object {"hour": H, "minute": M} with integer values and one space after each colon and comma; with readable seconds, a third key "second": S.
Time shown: {"hour": 12, "minute": 49, "second": 18}
